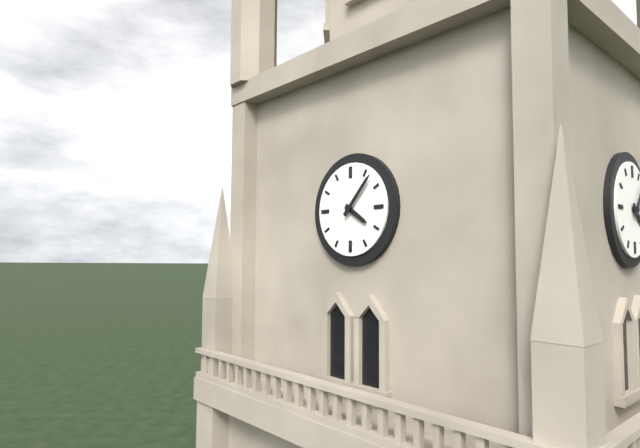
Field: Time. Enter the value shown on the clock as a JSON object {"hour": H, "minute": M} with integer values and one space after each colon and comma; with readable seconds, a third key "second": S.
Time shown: {"hour": 4, "minute": 7}
